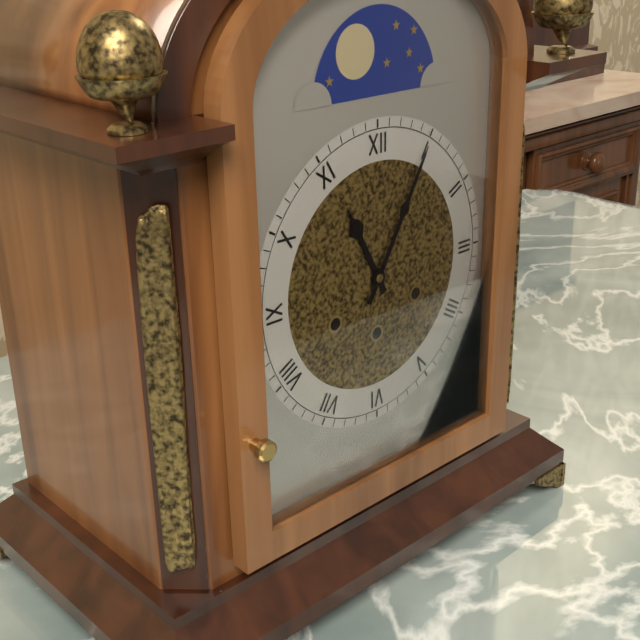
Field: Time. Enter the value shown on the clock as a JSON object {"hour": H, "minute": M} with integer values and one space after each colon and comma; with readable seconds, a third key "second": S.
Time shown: {"hour": 11, "minute": 5}
